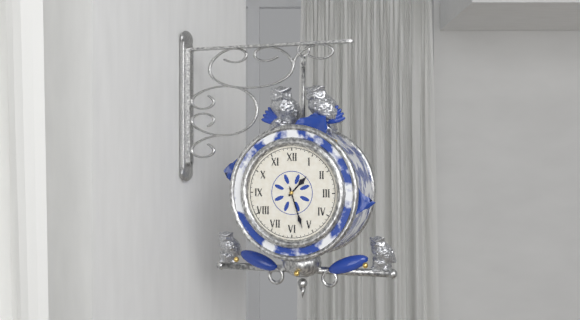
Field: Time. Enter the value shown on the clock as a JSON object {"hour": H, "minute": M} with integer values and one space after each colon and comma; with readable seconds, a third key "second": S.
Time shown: {"hour": 1, "minute": 27}
